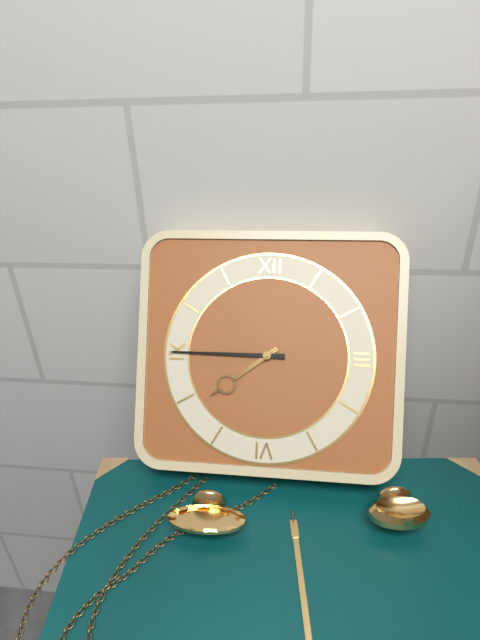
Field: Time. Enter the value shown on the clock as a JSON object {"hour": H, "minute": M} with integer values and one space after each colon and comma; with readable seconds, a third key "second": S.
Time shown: {"hour": 7, "minute": 45}
